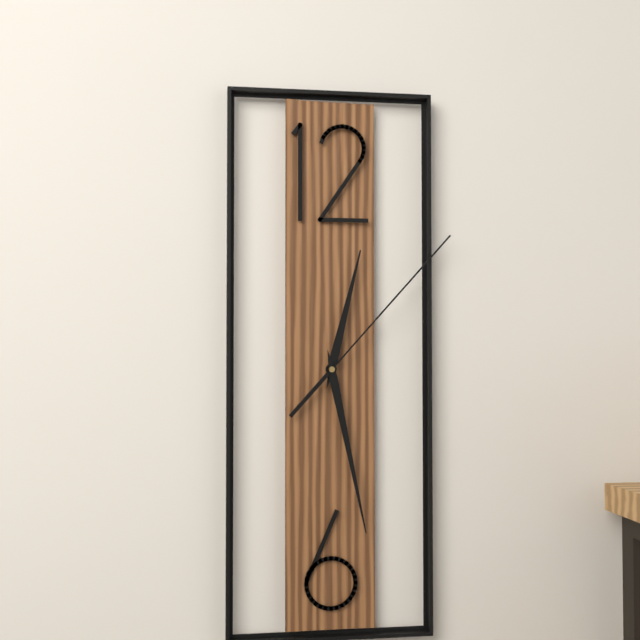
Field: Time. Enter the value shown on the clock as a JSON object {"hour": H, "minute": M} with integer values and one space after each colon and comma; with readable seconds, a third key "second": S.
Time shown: {"hour": 12, "minute": 28, "second": 7}
